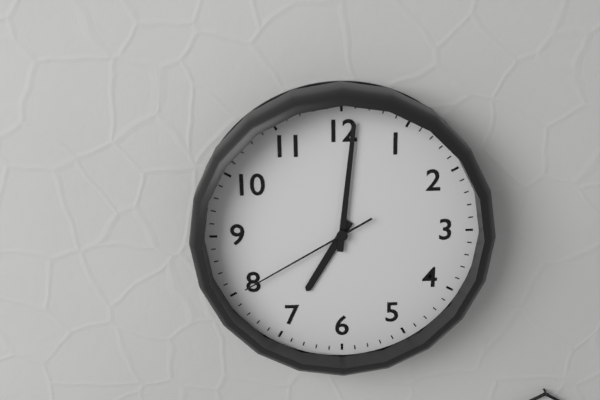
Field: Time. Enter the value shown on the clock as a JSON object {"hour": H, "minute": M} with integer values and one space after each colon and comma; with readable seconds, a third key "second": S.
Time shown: {"hour": 7, "minute": 1, "second": 40}
